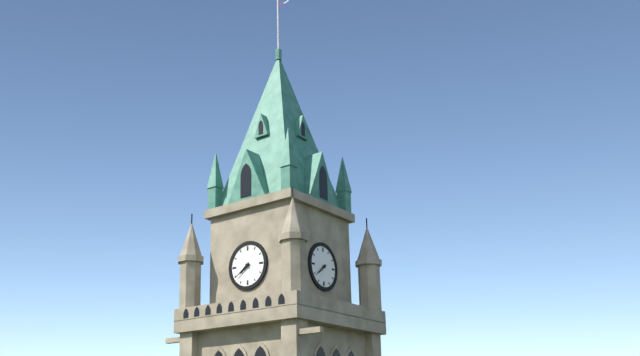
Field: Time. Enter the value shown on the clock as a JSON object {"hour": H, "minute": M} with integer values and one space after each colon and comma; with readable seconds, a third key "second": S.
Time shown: {"hour": 7, "minute": 39}
